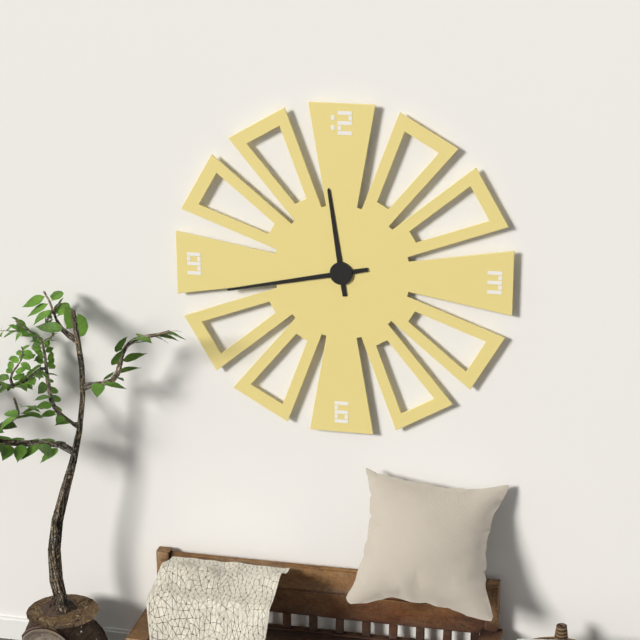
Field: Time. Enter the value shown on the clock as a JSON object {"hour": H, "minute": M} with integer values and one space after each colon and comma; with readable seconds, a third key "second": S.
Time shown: {"hour": 11, "minute": 43}
